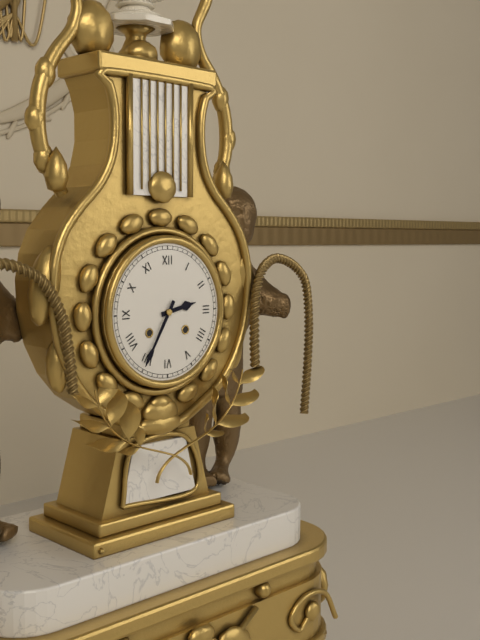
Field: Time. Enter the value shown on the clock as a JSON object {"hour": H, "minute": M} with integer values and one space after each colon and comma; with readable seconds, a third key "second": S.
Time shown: {"hour": 2, "minute": 35}
